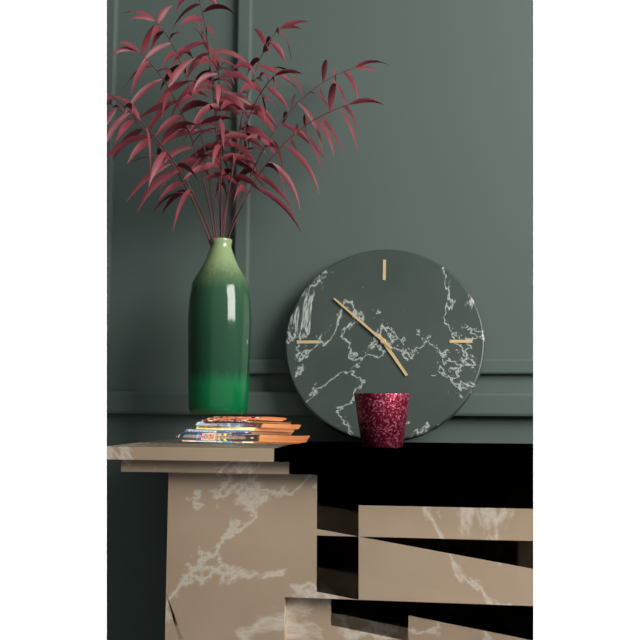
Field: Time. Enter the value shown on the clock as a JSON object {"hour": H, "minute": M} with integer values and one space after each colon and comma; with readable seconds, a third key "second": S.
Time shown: {"hour": 4, "minute": 52}
